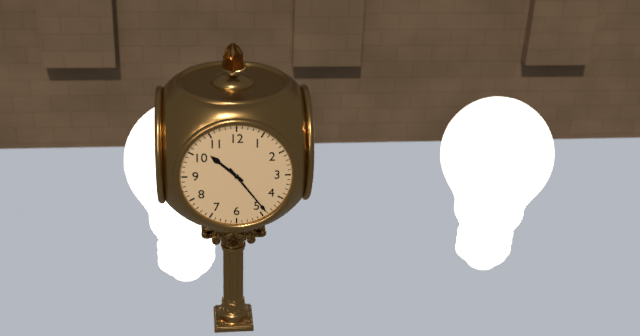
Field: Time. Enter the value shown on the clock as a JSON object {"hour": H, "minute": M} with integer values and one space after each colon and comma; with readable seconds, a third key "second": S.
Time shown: {"hour": 10, "minute": 24}
